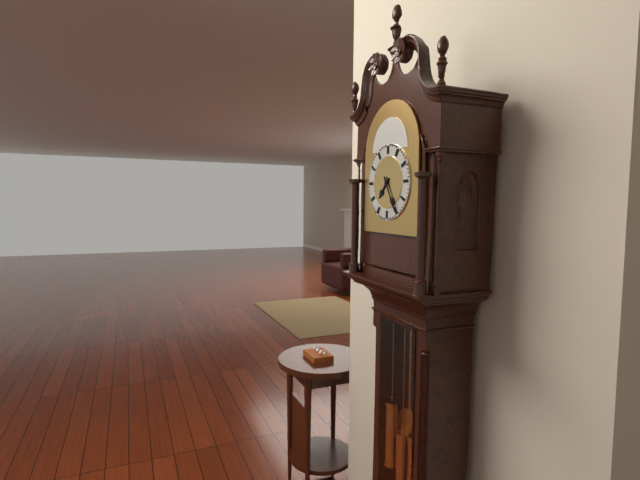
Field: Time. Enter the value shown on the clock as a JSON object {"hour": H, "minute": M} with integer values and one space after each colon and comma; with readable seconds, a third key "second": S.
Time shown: {"hour": 7, "minute": 25}
